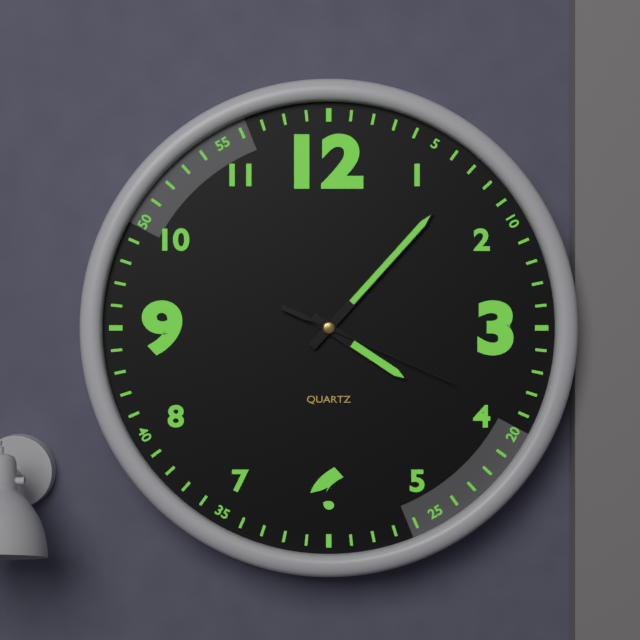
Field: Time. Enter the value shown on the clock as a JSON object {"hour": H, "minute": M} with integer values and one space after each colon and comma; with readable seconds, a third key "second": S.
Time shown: {"hour": 4, "minute": 7, "second": 19}
